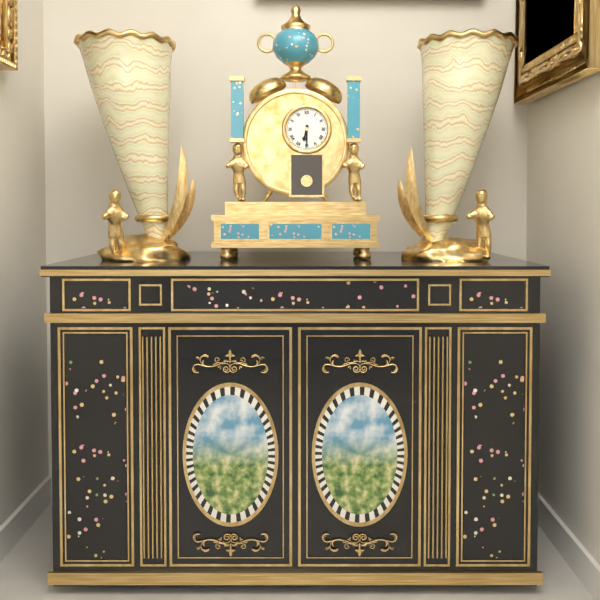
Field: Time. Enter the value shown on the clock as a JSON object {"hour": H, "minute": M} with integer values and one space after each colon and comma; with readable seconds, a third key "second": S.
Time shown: {"hour": 6, "minute": 30}
